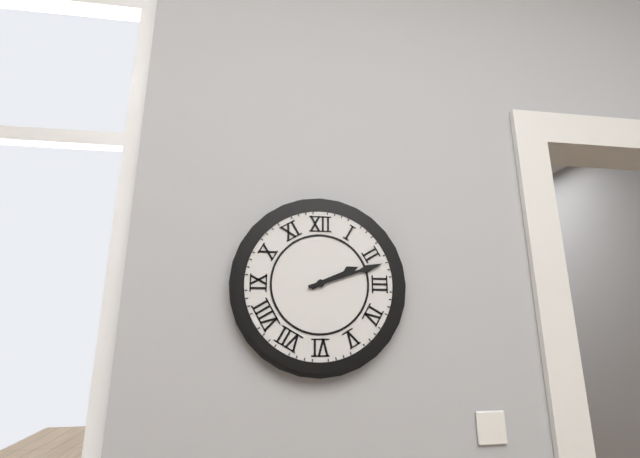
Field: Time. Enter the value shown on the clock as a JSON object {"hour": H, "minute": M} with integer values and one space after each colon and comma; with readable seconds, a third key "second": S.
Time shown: {"hour": 2, "minute": 12}
